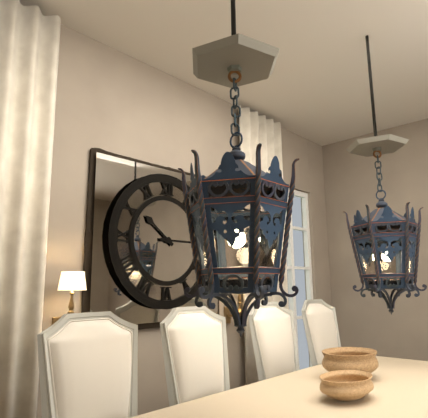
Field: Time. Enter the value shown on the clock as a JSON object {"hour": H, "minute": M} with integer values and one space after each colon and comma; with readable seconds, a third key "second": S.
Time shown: {"hour": 10, "minute": 15}
